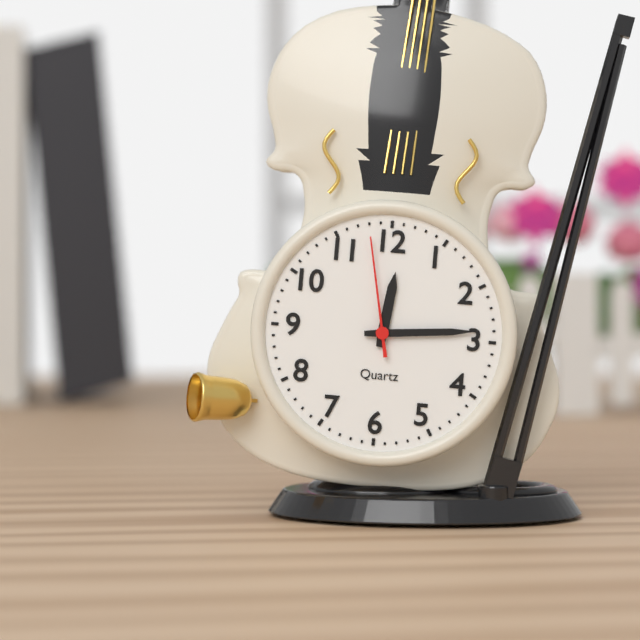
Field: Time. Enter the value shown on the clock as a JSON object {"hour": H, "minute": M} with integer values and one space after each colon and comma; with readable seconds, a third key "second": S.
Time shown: {"hour": 12, "minute": 14, "second": 58}
